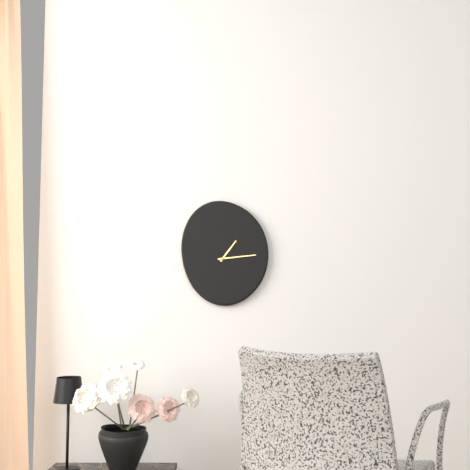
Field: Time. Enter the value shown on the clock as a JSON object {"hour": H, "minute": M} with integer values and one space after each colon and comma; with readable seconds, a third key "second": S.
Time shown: {"hour": 1, "minute": 14}
